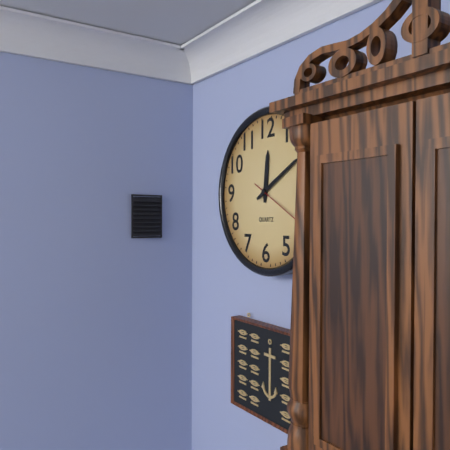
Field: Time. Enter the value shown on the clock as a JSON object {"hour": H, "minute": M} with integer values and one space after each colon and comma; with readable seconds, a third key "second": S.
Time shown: {"hour": 12, "minute": 10, "second": 20}
